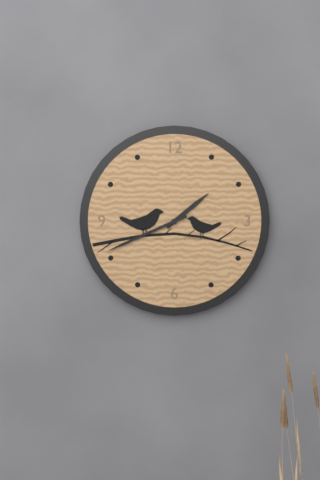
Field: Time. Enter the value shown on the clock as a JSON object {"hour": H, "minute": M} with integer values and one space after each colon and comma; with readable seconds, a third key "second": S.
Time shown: {"hour": 1, "minute": 41}
